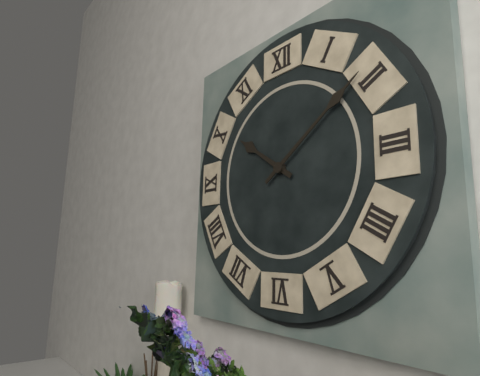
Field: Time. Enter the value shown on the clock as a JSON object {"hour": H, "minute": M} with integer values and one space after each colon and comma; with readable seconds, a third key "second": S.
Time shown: {"hour": 10, "minute": 9}
